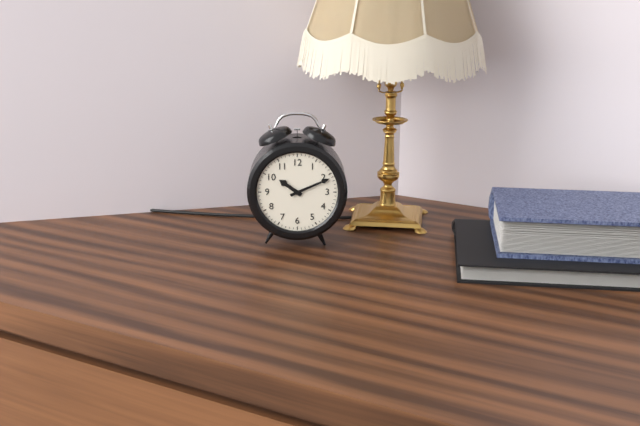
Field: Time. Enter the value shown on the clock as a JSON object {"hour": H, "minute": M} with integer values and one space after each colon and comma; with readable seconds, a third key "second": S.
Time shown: {"hour": 10, "minute": 11}
